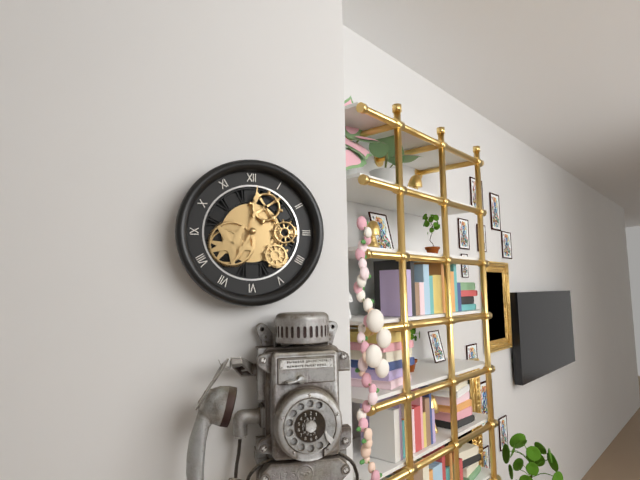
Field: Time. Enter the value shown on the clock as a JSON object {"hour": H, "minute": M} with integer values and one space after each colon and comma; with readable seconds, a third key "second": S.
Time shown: {"hour": 7, "minute": 1}
